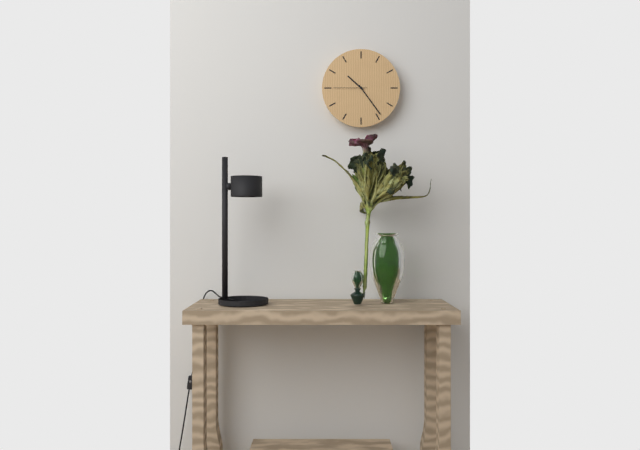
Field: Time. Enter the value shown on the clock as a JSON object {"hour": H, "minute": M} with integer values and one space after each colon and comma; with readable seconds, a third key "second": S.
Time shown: {"hour": 10, "minute": 24}
